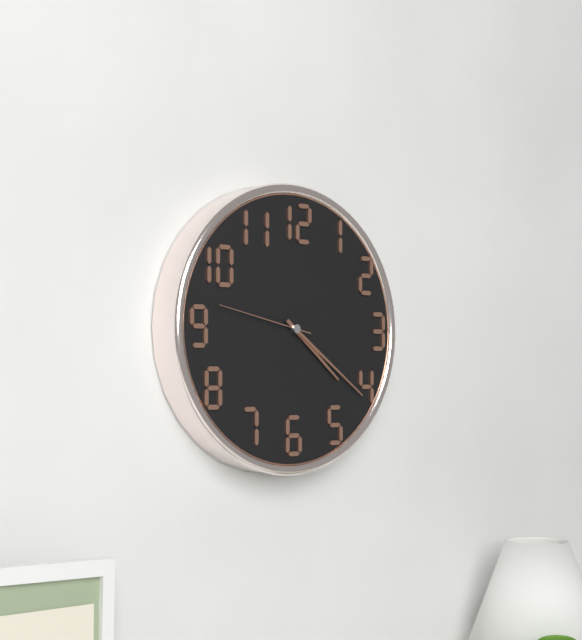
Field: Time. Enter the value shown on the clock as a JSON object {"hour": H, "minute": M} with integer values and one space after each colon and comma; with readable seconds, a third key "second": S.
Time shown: {"hour": 4, "minute": 21, "second": 47}
